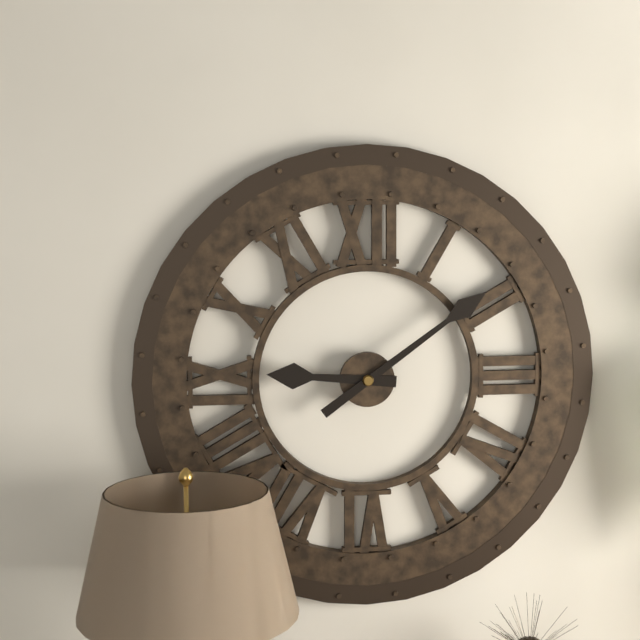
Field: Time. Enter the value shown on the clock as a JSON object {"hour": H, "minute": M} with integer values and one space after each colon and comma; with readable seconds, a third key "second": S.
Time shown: {"hour": 9, "minute": 9}
